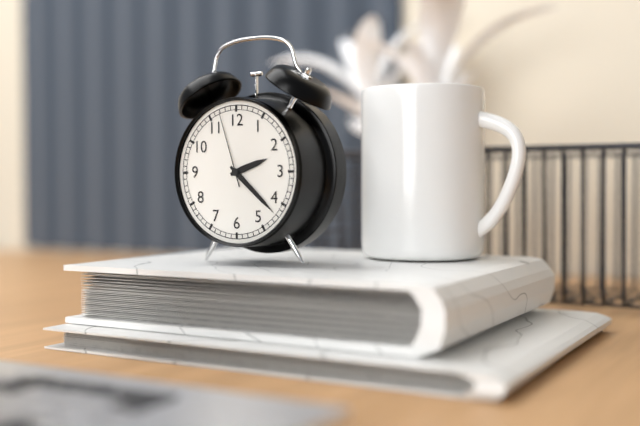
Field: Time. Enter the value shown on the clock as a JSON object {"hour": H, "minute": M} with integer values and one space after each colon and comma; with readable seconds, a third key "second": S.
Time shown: {"hour": 2, "minute": 22, "second": 57}
